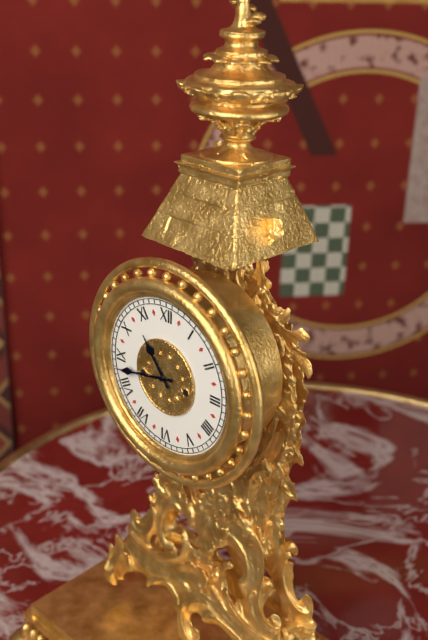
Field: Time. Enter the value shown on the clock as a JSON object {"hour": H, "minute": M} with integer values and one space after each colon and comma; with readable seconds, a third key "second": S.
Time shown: {"hour": 10, "minute": 43}
